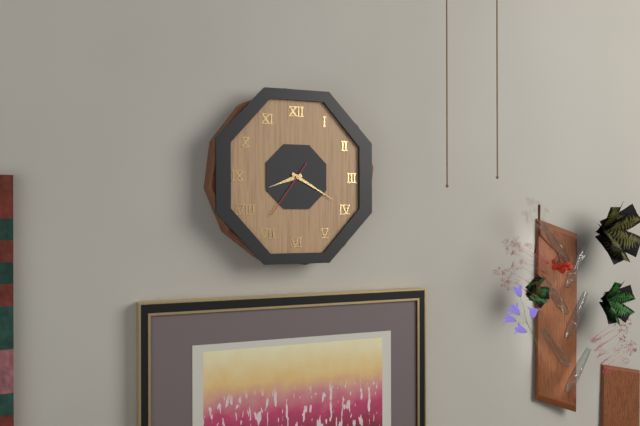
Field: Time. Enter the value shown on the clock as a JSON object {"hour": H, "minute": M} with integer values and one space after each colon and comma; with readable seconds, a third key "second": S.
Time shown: {"hour": 8, "minute": 20, "second": 36}
